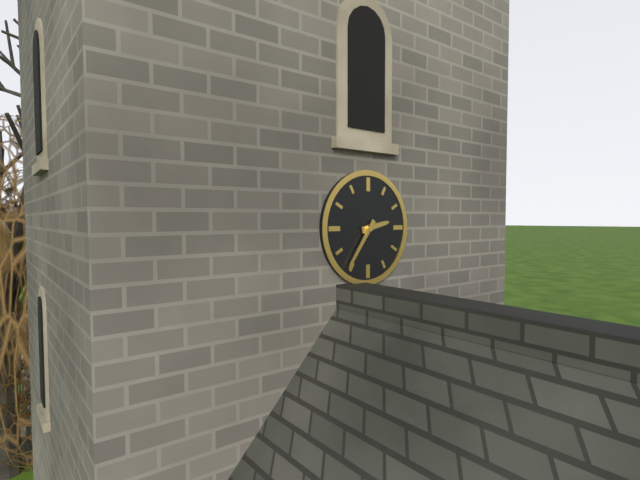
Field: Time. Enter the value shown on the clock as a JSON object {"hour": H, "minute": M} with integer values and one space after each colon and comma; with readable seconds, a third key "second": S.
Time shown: {"hour": 2, "minute": 36}
